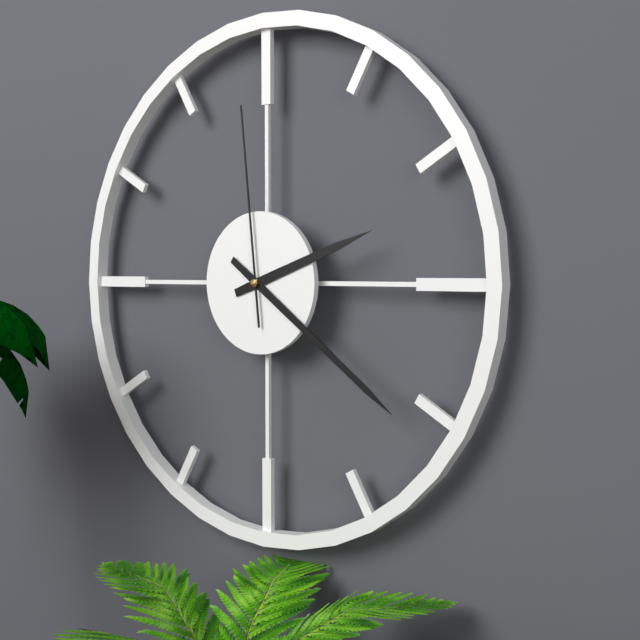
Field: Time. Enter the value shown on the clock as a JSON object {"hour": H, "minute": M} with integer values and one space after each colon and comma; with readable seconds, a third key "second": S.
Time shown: {"hour": 2, "minute": 21, "second": 59}
